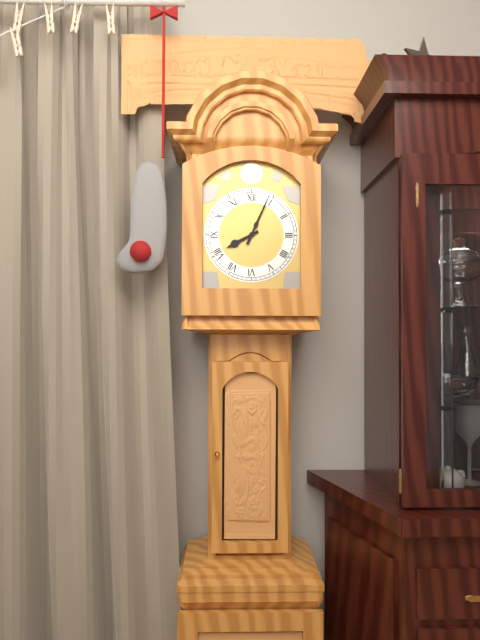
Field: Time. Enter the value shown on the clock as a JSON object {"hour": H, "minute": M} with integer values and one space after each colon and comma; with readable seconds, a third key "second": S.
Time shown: {"hour": 8, "minute": 4}
